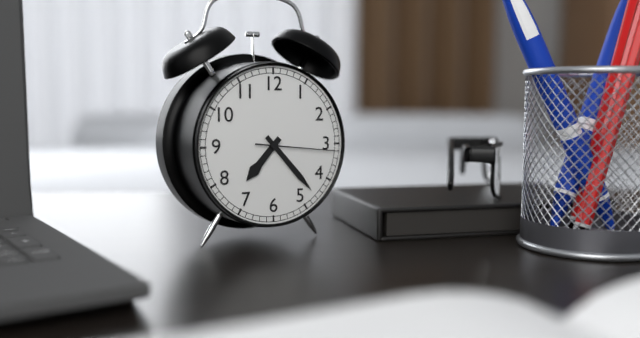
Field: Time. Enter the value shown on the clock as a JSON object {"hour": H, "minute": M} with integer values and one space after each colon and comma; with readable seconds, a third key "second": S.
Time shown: {"hour": 7, "minute": 23, "second": 16}
